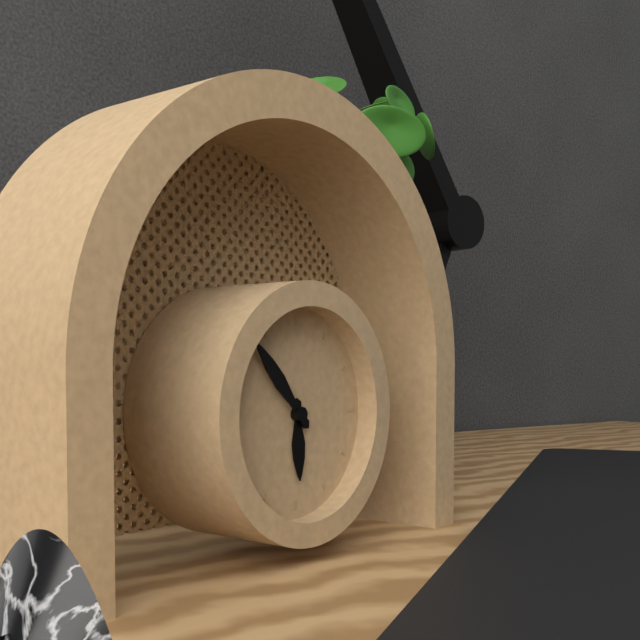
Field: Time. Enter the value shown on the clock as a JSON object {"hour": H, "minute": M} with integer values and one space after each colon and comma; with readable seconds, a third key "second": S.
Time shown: {"hour": 5, "minute": 53}
